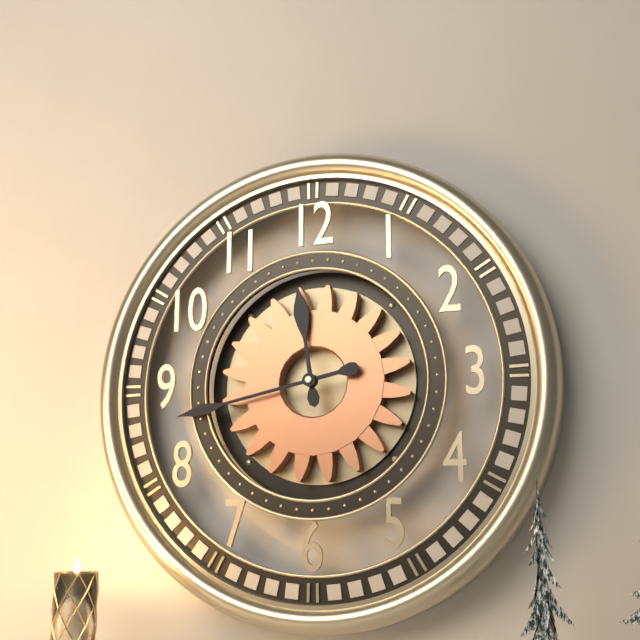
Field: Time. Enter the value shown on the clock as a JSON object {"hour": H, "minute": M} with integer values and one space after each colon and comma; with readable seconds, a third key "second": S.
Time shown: {"hour": 11, "minute": 43}
